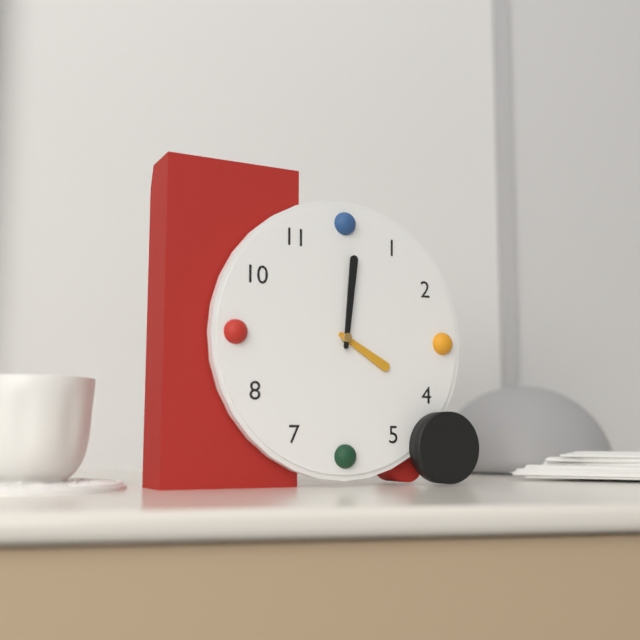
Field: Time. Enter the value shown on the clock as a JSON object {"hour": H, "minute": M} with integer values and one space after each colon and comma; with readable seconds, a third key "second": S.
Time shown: {"hour": 4, "minute": 1}
